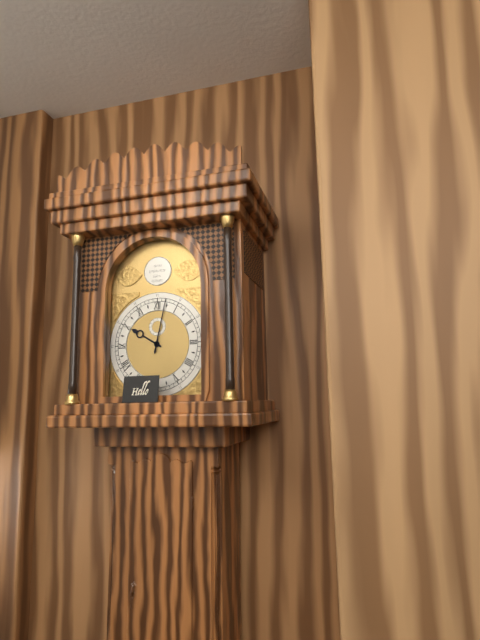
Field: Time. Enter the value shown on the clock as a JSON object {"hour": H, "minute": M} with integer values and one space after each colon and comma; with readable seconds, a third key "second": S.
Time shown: {"hour": 10, "minute": 2}
